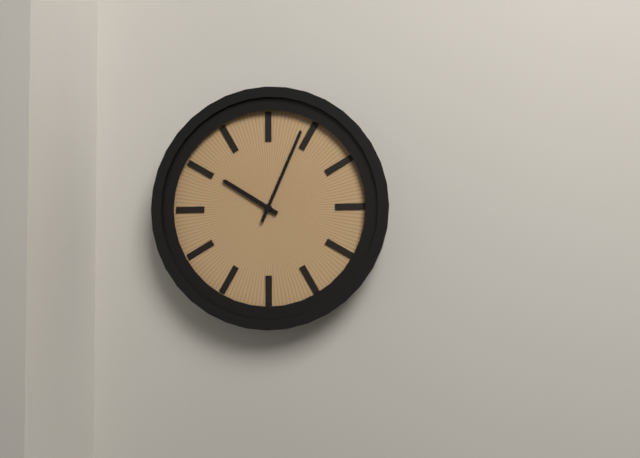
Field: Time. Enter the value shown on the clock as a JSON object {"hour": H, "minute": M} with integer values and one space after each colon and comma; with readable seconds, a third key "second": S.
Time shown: {"hour": 10, "minute": 4}
